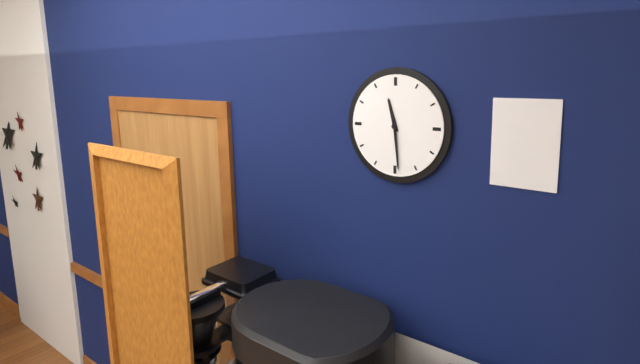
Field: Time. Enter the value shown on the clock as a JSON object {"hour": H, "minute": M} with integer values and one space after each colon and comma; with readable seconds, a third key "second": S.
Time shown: {"hour": 11, "minute": 29}
